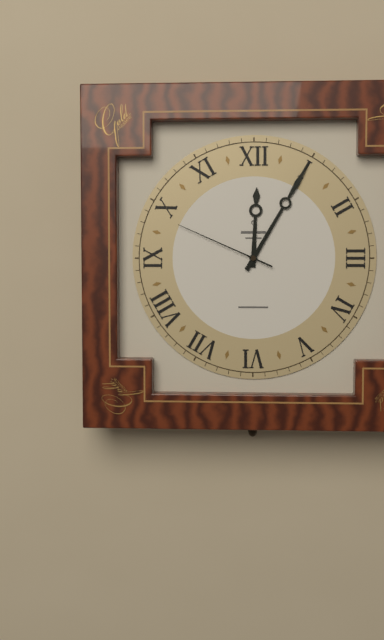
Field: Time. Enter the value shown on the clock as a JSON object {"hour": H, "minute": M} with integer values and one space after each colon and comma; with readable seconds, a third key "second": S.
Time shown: {"hour": 12, "minute": 5, "second": 49}
